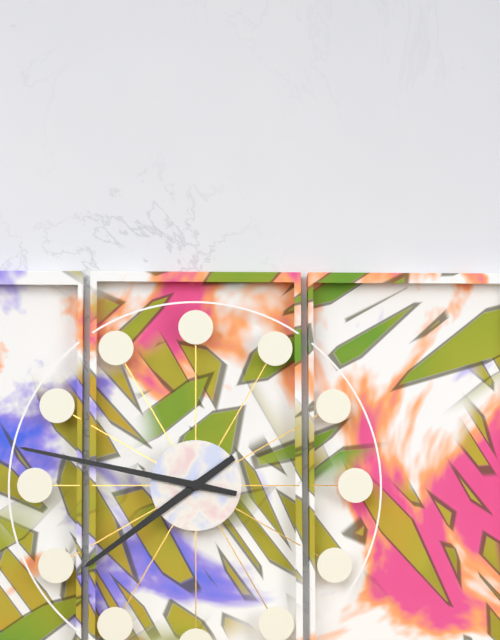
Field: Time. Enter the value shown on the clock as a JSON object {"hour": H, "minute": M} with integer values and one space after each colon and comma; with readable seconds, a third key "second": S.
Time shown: {"hour": 7, "minute": 47}
